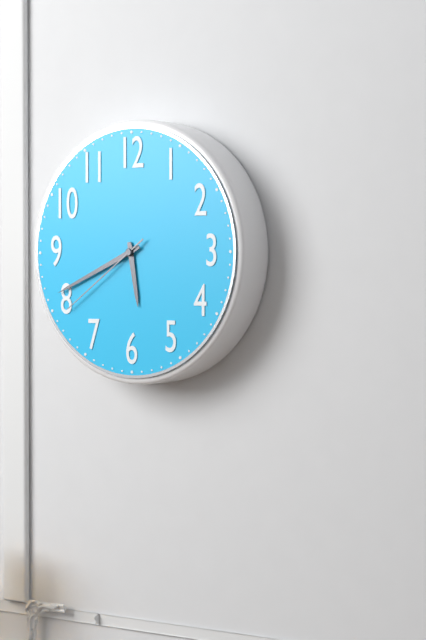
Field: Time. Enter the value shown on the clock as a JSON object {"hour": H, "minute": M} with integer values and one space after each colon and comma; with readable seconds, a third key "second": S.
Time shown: {"hour": 5, "minute": 41, "second": 39}
